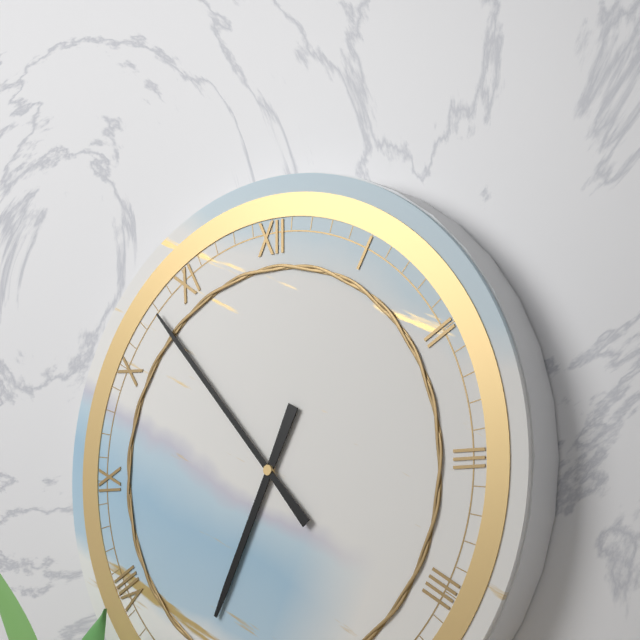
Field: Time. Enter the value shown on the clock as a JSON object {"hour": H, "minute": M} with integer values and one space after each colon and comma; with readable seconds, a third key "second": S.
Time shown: {"hour": 6, "minute": 53}
